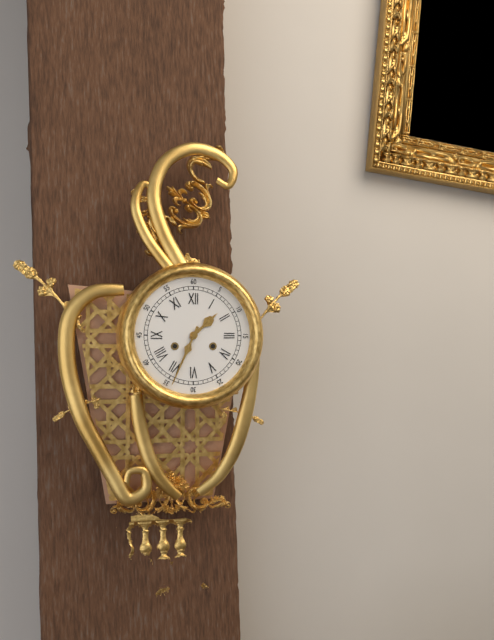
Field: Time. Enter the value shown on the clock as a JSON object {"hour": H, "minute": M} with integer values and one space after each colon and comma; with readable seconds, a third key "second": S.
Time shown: {"hour": 1, "minute": 34}
